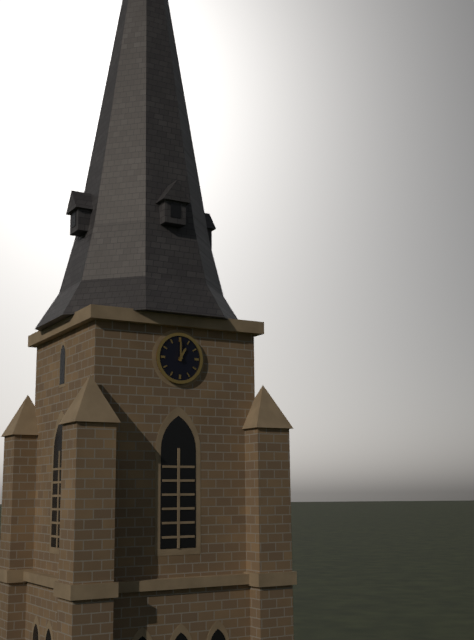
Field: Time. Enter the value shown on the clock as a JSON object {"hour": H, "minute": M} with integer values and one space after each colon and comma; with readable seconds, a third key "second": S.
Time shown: {"hour": 1, "minute": 0}
